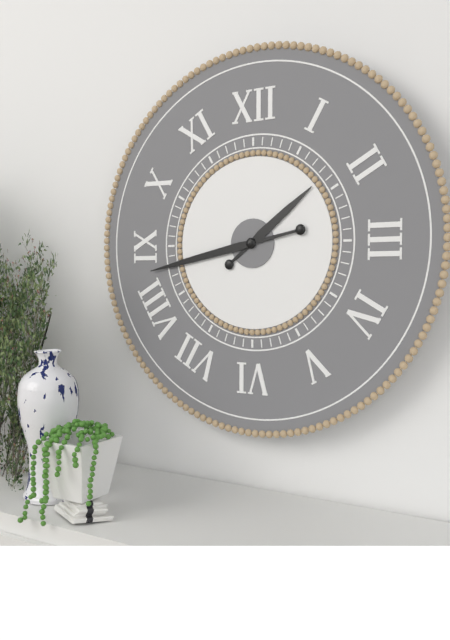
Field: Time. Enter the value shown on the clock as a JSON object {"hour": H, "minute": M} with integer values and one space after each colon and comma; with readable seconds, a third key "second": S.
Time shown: {"hour": 1, "minute": 43}
